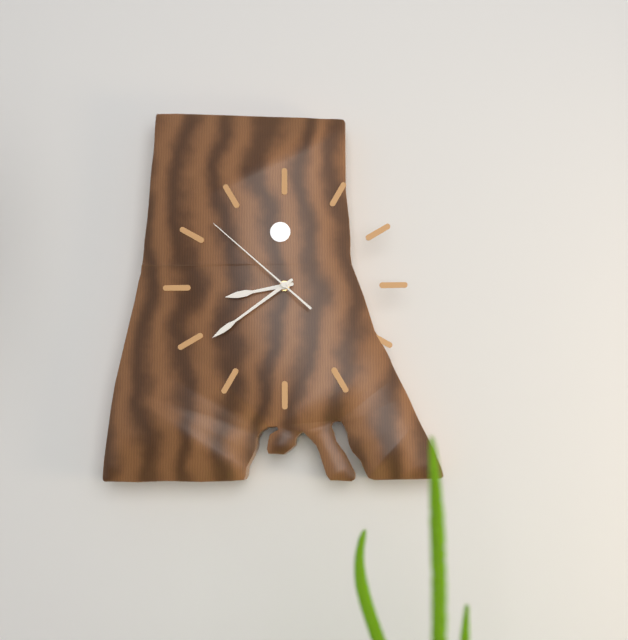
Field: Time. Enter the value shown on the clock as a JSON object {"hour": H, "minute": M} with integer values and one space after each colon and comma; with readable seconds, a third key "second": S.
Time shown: {"hour": 8, "minute": 39, "second": 52}
